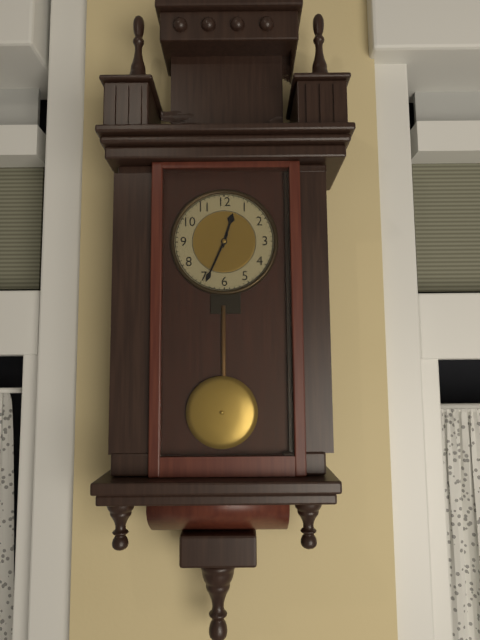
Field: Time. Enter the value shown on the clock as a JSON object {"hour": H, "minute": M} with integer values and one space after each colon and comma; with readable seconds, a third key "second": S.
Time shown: {"hour": 12, "minute": 34}
